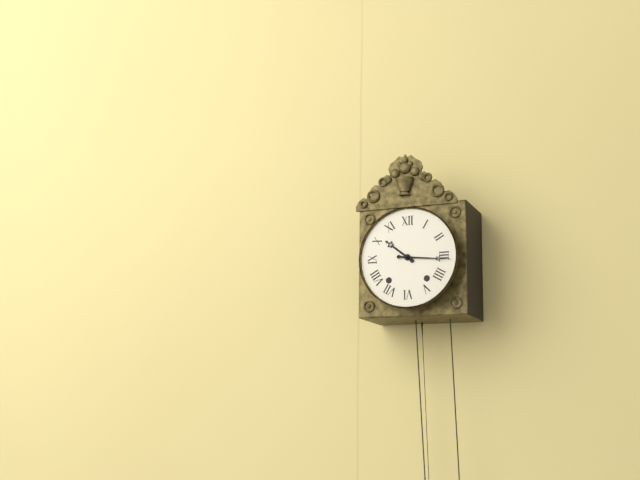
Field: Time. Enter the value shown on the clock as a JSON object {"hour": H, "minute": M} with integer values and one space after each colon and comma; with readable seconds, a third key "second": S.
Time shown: {"hour": 10, "minute": 16}
